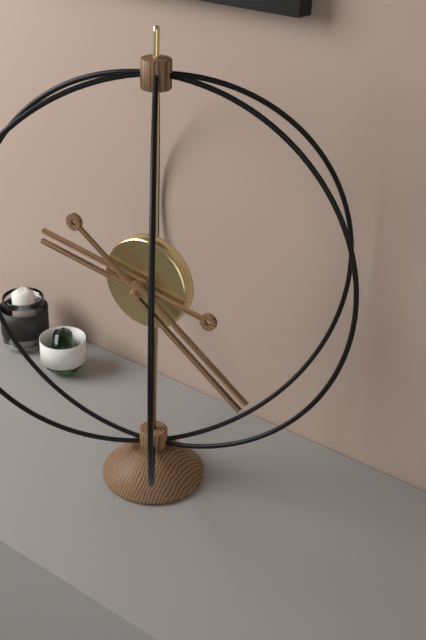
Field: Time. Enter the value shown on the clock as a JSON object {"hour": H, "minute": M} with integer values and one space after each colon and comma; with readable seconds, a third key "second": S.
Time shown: {"hour": 9, "minute": 21}
